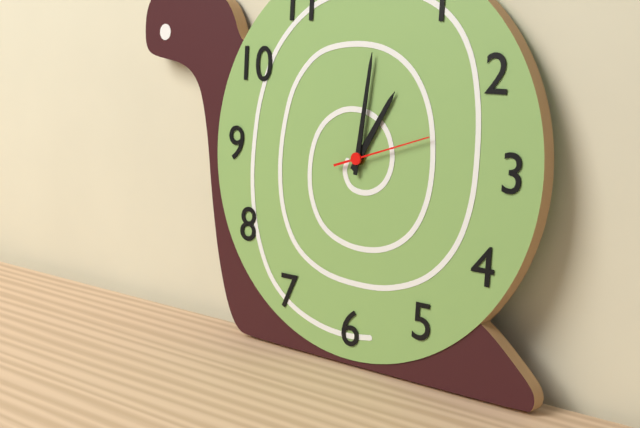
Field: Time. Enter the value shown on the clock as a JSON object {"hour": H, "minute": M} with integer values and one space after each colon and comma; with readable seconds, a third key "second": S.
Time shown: {"hour": 1, "minute": 1, "second": 12}
